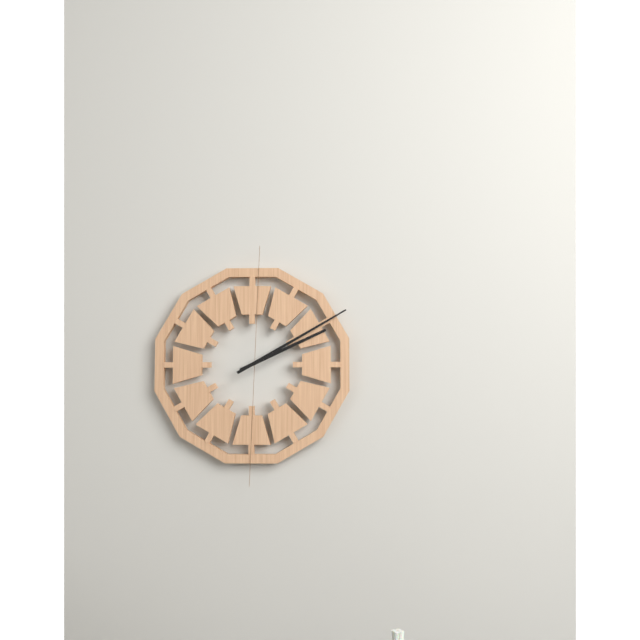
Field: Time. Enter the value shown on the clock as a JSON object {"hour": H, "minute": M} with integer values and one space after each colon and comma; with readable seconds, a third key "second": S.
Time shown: {"hour": 2, "minute": 10}
